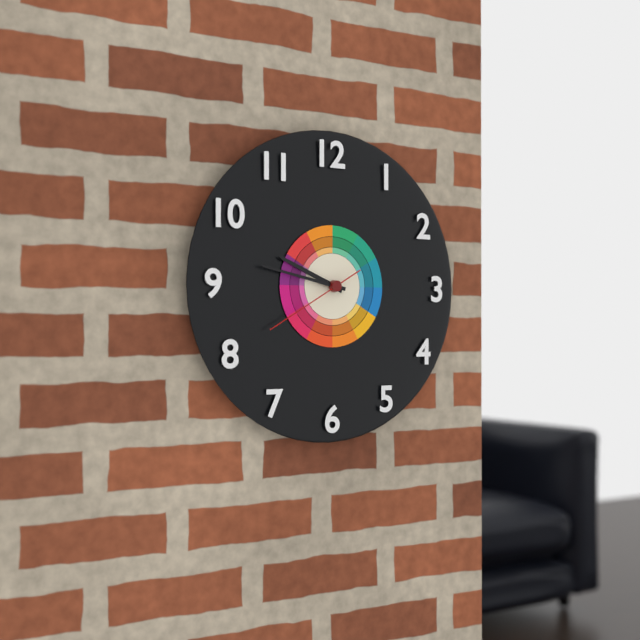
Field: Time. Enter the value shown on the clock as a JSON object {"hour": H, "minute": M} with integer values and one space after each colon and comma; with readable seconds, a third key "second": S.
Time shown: {"hour": 9, "minute": 47, "second": 40}
